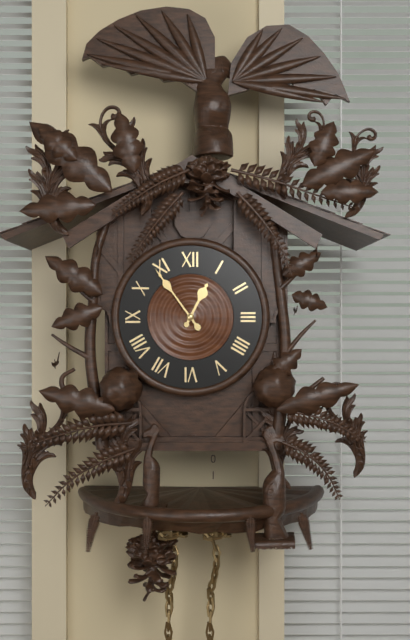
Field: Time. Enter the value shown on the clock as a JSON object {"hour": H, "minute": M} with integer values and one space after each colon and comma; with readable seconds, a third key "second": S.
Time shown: {"hour": 12, "minute": 54}
